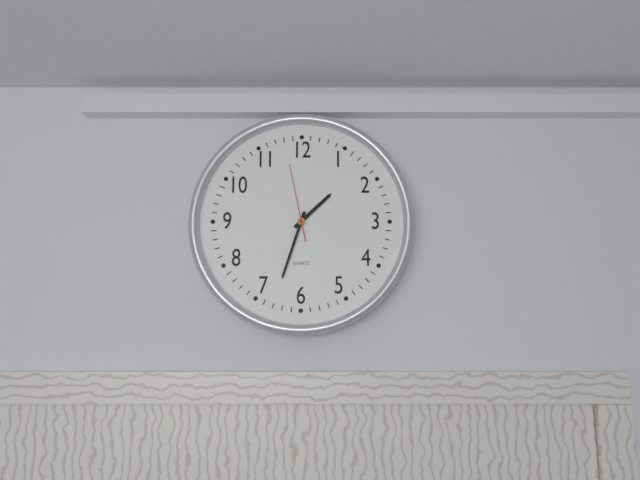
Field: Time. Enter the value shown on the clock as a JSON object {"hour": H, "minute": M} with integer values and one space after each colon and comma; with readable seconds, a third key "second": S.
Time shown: {"hour": 1, "minute": 33, "second": 58}
